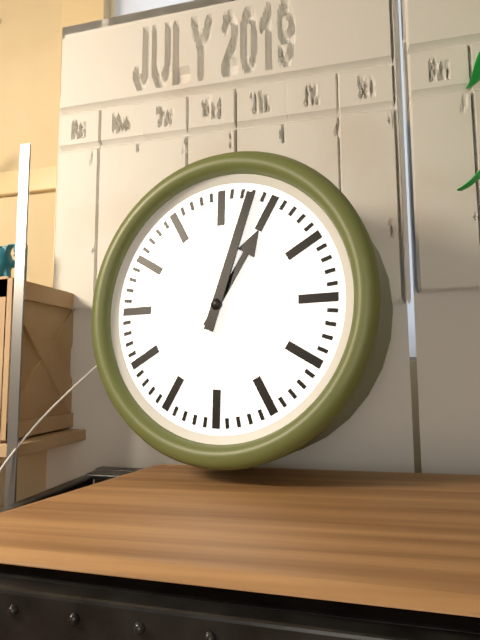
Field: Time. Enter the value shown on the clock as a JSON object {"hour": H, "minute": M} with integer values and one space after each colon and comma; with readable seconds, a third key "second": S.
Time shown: {"hour": 1, "minute": 3}
